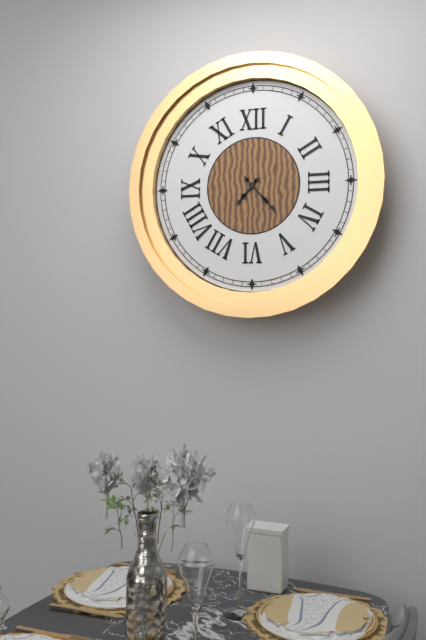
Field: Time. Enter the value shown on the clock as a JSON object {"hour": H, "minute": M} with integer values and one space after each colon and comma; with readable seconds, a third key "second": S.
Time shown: {"hour": 7, "minute": 23}
